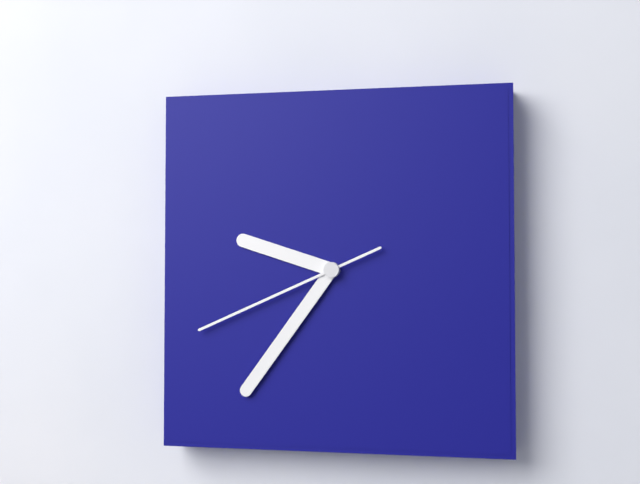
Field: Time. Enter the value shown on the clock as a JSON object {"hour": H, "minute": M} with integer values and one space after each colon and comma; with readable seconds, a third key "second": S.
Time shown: {"hour": 9, "minute": 36, "second": 41}
